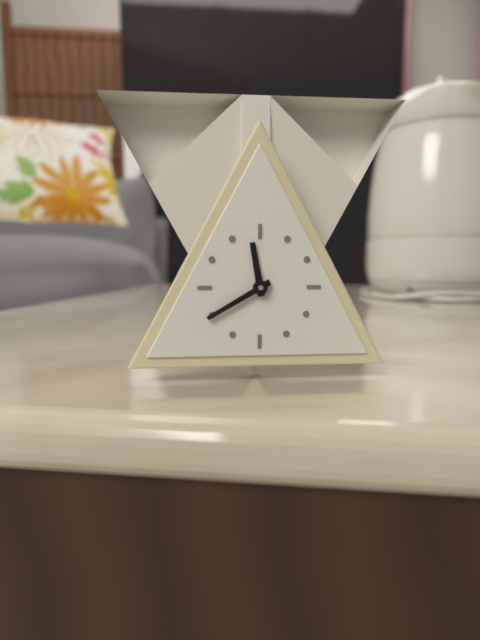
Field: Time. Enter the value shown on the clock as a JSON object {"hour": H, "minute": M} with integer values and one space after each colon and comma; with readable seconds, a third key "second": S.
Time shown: {"hour": 11, "minute": 40}
